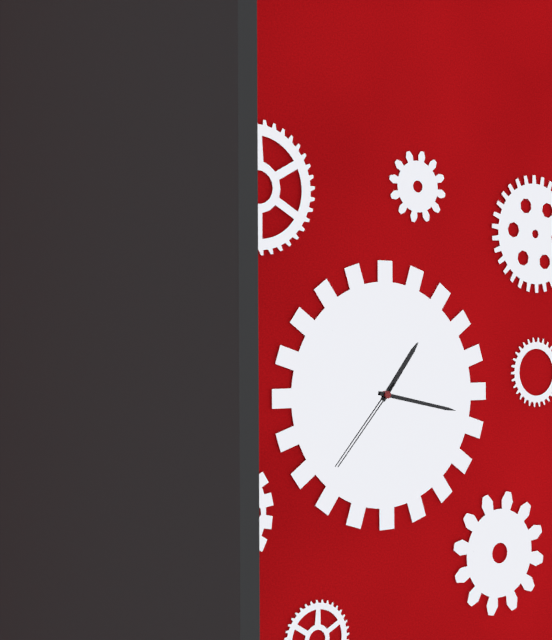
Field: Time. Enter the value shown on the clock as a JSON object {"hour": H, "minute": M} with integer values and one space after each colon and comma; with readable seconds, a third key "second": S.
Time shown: {"hour": 1, "minute": 17, "second": 37}
